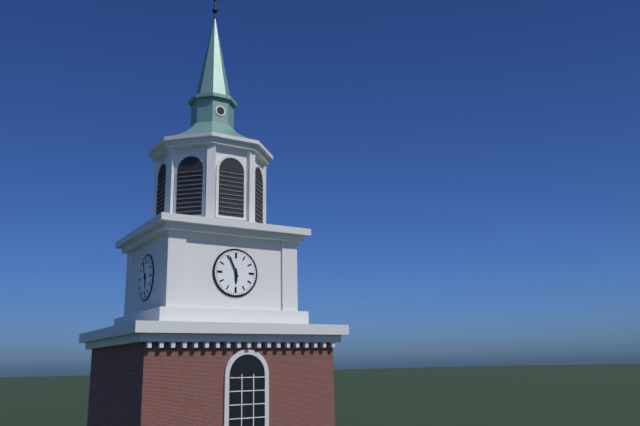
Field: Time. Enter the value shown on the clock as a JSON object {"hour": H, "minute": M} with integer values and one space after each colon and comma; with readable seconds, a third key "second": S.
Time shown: {"hour": 5, "minute": 56}
